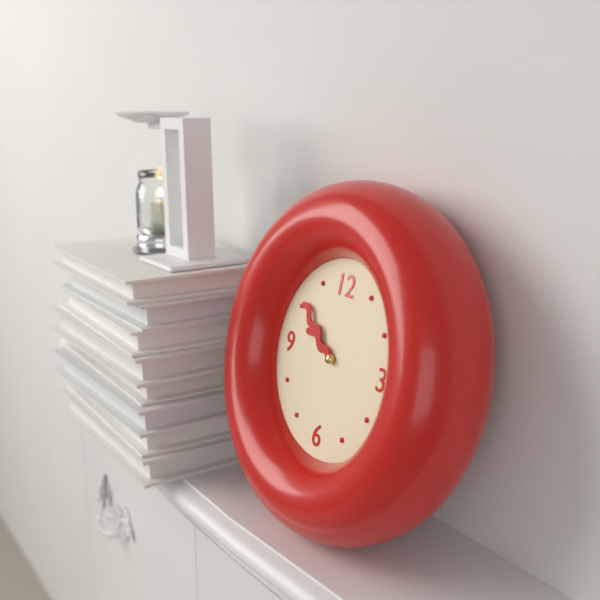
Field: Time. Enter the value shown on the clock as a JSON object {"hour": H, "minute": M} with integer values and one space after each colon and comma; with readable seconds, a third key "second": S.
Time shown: {"hour": 9, "minute": 51}
